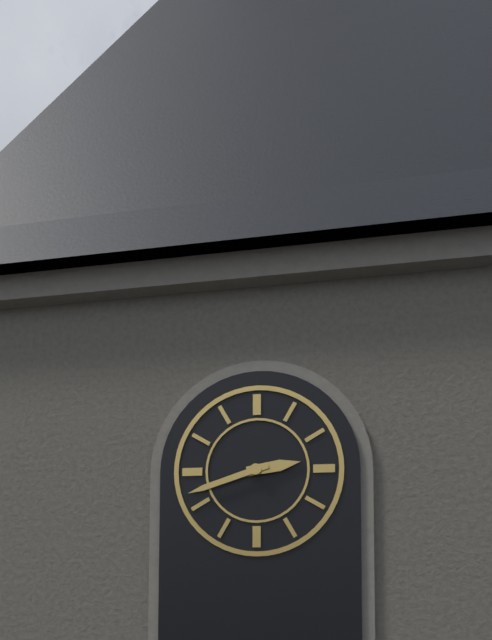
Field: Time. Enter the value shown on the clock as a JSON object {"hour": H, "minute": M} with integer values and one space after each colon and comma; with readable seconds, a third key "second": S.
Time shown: {"hour": 2, "minute": 42}
